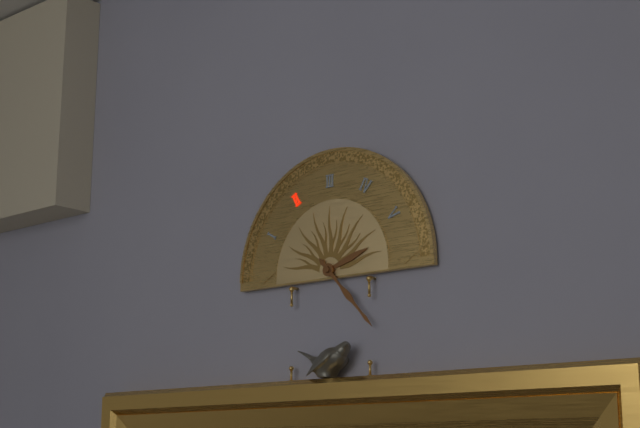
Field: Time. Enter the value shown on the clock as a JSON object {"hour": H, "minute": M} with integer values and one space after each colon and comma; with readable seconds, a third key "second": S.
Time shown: {"hour": 2, "minute": 23}
